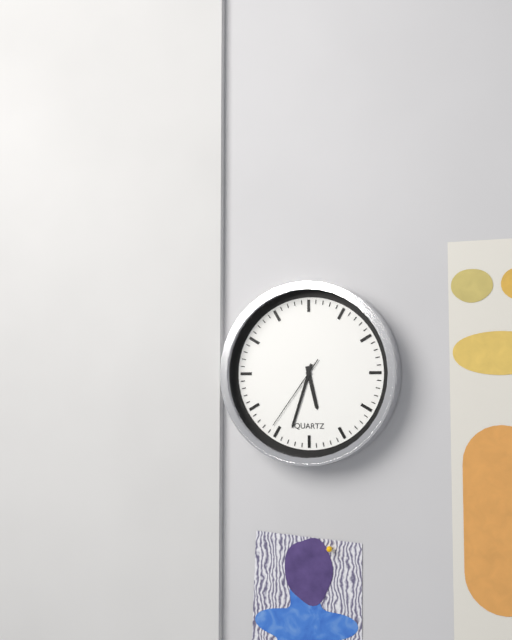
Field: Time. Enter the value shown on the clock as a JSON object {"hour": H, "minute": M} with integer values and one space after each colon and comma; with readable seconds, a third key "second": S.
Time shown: {"hour": 5, "minute": 33, "second": 36}
